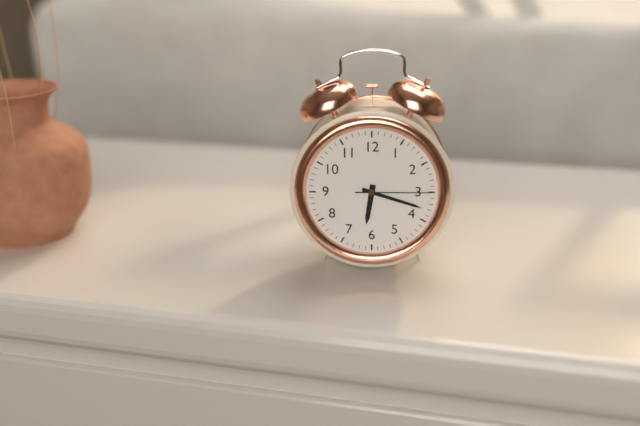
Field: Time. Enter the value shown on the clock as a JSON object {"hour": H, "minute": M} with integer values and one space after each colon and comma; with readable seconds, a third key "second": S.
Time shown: {"hour": 6, "minute": 18, "second": 15}
